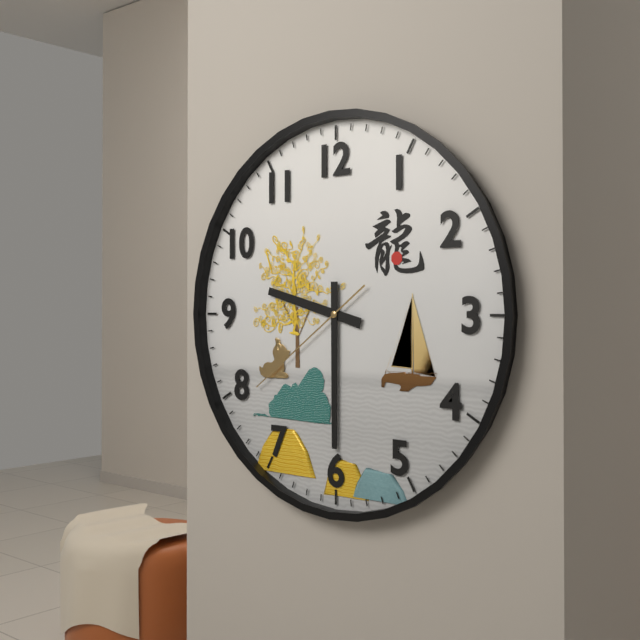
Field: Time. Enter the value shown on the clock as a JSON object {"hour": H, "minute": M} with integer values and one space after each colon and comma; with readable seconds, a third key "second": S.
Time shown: {"hour": 9, "minute": 30, "second": 39}
